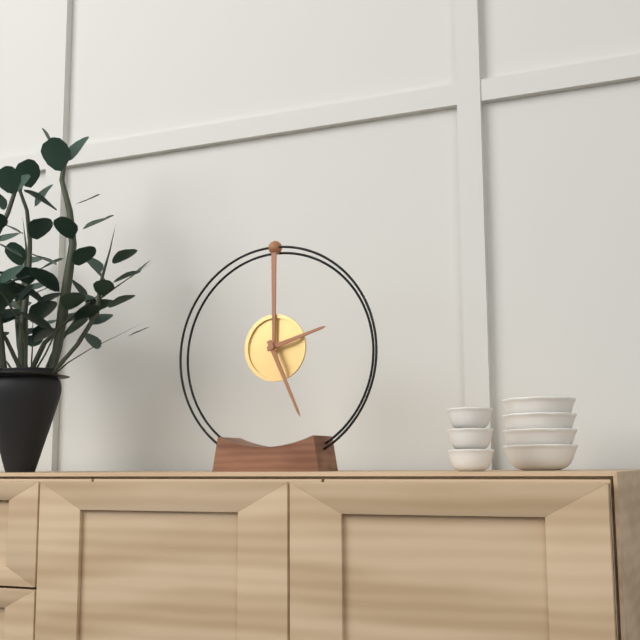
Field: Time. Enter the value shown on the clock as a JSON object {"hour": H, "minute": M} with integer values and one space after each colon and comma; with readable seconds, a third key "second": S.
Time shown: {"hour": 2, "minute": 26}
